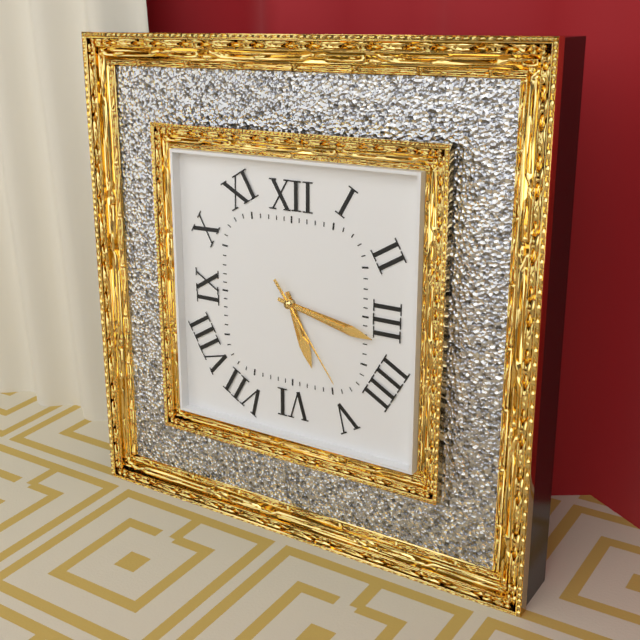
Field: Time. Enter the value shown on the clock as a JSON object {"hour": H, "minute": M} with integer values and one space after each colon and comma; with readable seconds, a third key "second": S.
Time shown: {"hour": 5, "minute": 17, "second": 24}
